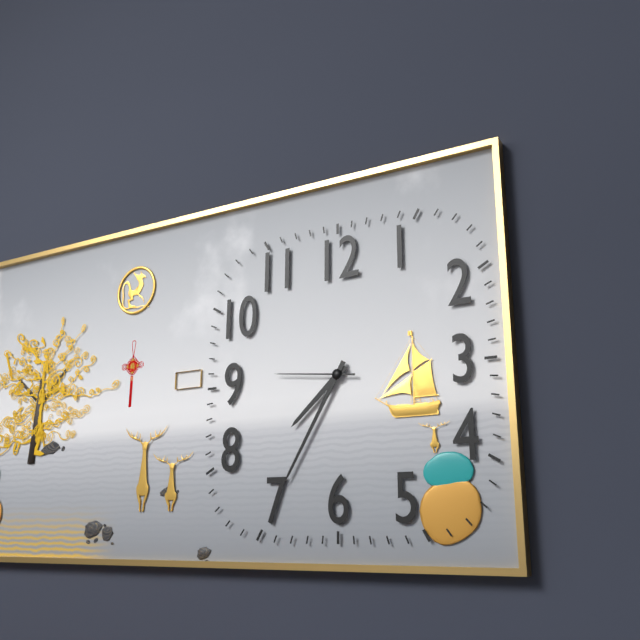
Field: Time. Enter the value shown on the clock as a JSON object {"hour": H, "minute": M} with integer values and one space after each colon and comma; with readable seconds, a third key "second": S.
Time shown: {"hour": 7, "minute": 35, "second": 46}
